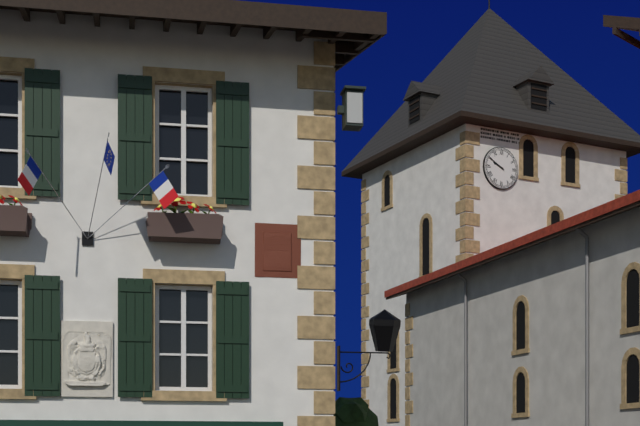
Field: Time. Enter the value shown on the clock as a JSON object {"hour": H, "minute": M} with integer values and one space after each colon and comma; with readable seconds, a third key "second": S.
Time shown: {"hour": 9, "minute": 50}
